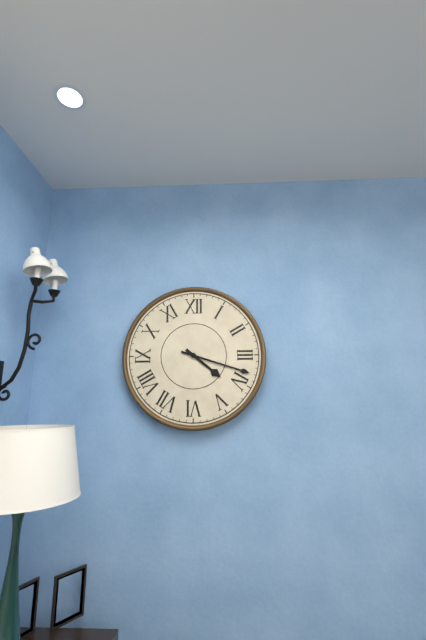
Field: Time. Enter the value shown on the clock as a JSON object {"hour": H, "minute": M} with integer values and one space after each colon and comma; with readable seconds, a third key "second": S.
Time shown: {"hour": 4, "minute": 18}
